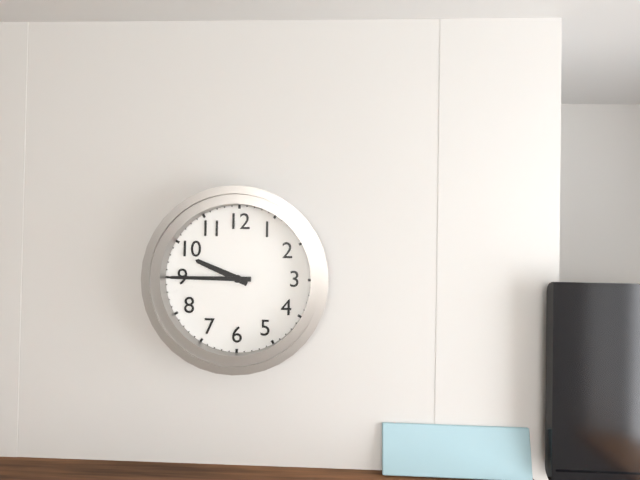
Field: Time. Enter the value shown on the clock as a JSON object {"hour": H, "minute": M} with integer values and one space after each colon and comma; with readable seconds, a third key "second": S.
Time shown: {"hour": 9, "minute": 45}
